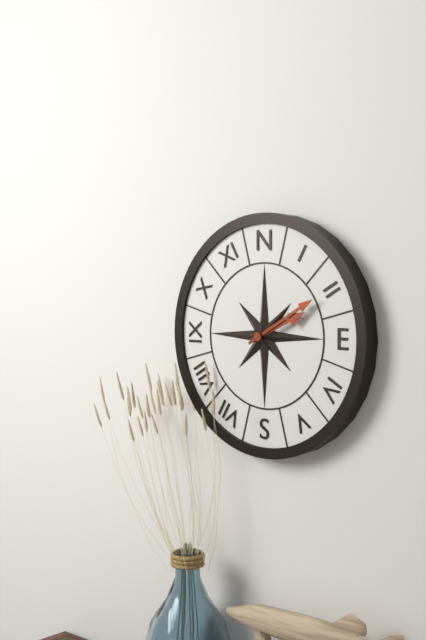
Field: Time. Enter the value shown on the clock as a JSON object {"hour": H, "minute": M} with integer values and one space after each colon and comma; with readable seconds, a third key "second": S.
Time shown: {"hour": 2, "minute": 10}
